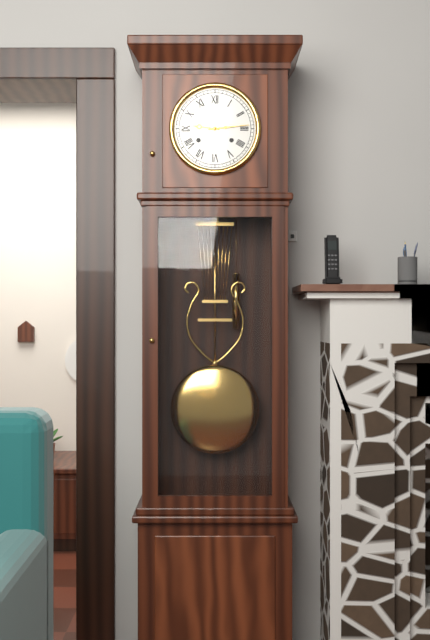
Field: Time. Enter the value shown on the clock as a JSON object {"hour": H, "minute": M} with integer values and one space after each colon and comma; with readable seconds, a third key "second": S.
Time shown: {"hour": 9, "minute": 14}
